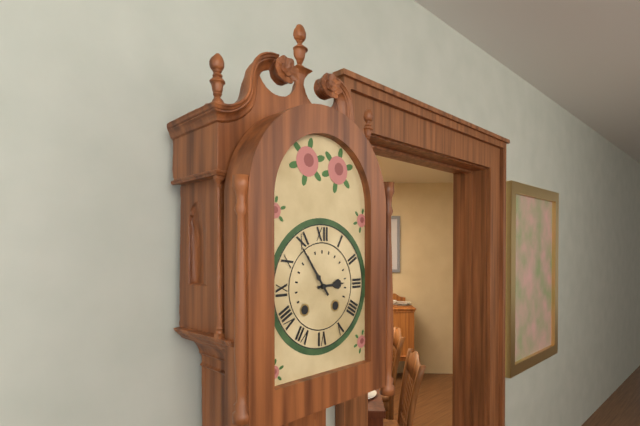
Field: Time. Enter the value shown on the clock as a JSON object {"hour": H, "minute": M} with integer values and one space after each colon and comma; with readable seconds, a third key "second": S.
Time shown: {"hour": 2, "minute": 54}
